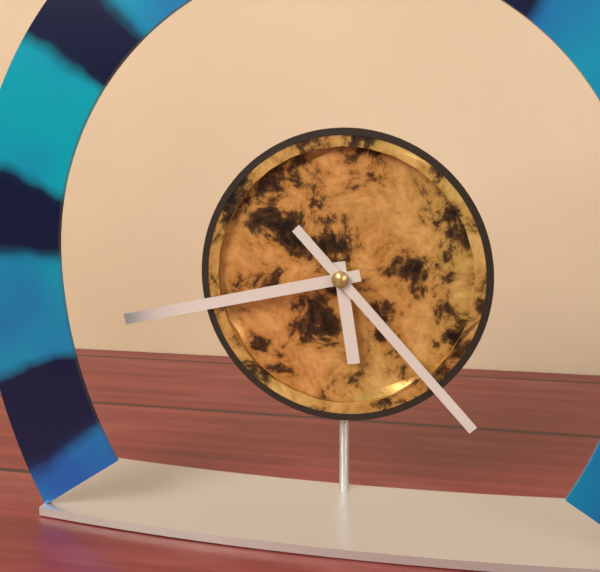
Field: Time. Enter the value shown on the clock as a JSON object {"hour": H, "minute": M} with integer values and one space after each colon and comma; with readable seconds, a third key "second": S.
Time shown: {"hour": 5, "minute": 43, "second": 23}
